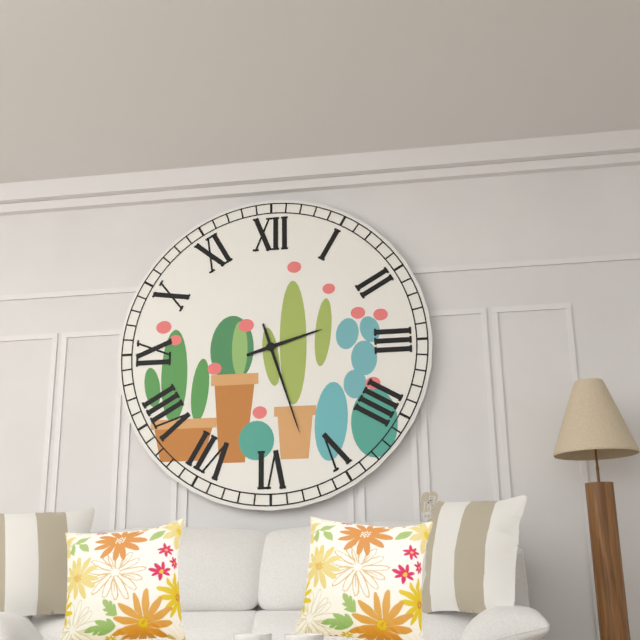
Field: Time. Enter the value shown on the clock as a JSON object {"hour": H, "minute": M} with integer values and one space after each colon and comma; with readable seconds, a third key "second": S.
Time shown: {"hour": 2, "minute": 27}
